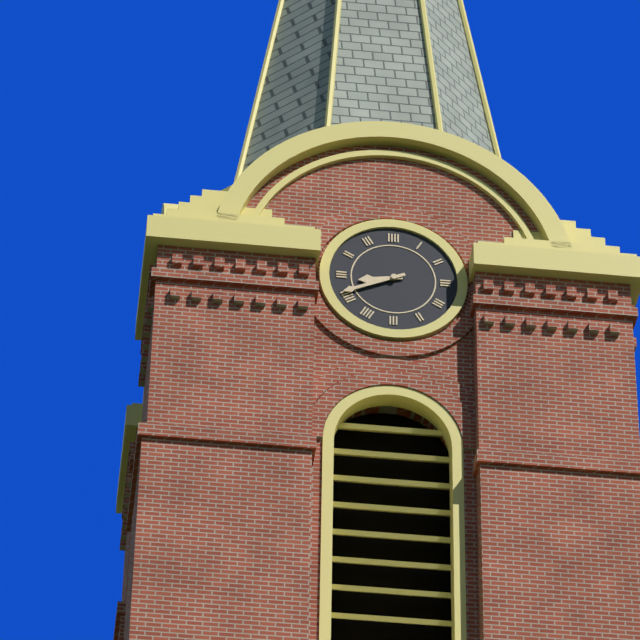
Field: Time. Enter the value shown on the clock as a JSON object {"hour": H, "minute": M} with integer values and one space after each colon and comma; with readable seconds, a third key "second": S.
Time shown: {"hour": 8, "minute": 41}
